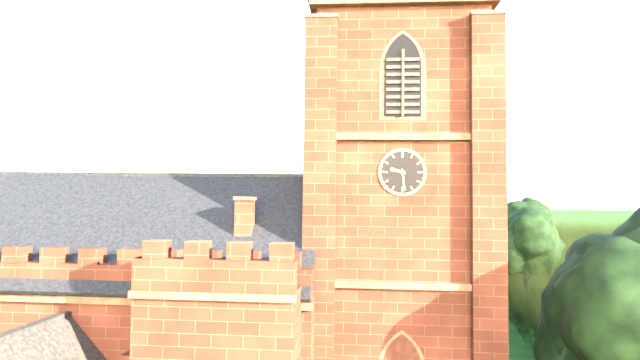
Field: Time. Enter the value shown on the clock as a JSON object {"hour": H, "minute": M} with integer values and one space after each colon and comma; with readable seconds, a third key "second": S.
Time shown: {"hour": 9, "minute": 29}
